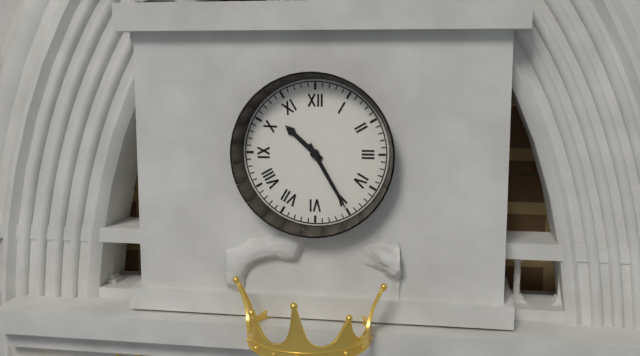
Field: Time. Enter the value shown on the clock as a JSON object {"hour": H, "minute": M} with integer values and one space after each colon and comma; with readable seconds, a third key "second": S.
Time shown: {"hour": 10, "minute": 25}
